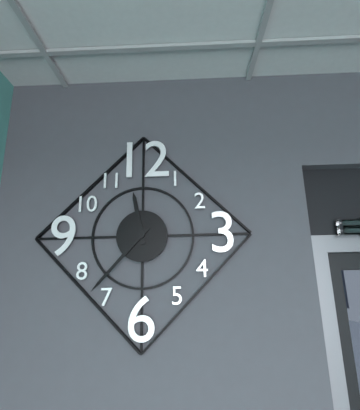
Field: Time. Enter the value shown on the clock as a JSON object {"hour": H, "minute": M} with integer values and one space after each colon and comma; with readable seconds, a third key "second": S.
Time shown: {"hour": 11, "minute": 37}
